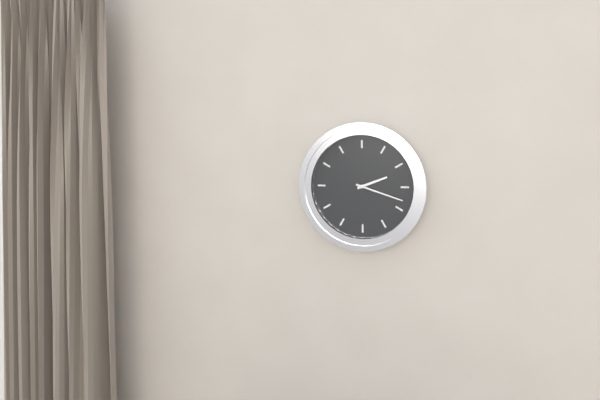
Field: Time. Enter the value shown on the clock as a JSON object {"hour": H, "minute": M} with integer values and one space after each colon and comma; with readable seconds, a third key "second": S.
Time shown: {"hour": 2, "minute": 18}
